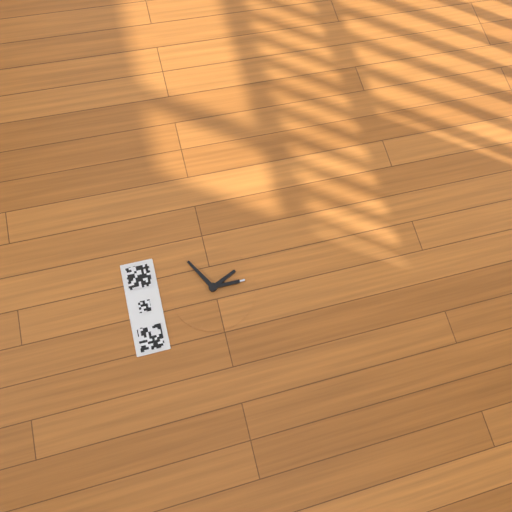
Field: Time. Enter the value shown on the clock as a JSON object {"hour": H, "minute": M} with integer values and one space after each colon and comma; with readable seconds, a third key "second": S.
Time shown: {"hour": 5, "minute": 10}
